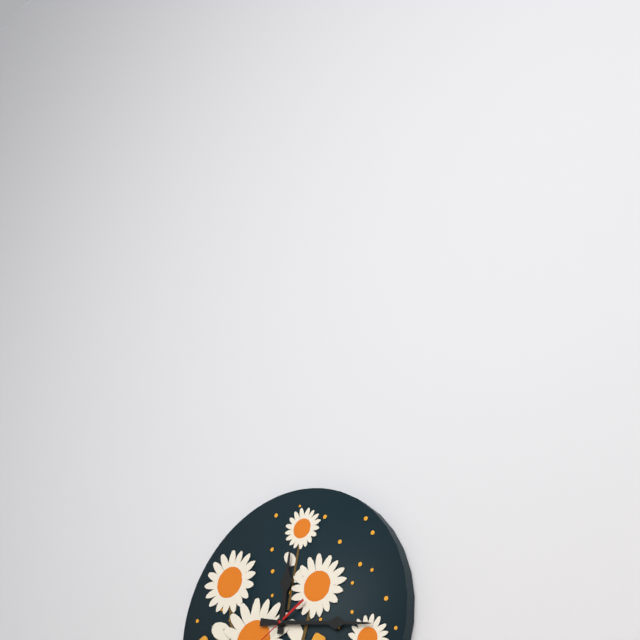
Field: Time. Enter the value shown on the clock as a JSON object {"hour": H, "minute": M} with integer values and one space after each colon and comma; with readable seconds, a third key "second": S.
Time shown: {"hour": 12, "minute": 17}
